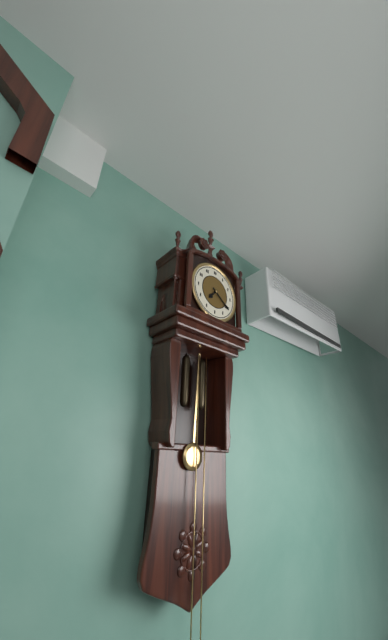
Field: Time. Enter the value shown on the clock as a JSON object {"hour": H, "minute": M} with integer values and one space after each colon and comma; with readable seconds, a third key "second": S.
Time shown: {"hour": 7, "minute": 21}
